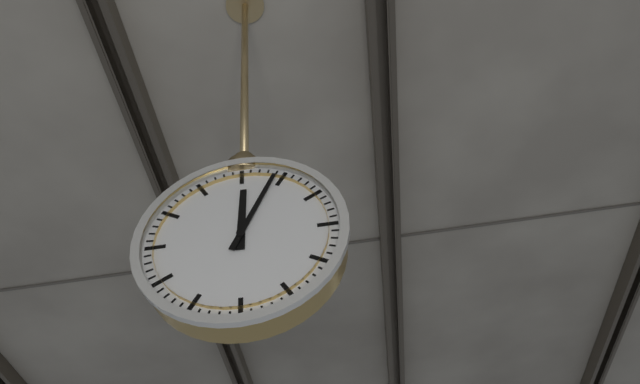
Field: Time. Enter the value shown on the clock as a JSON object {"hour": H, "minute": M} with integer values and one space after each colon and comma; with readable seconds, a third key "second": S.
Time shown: {"hour": 12, "minute": 4}
